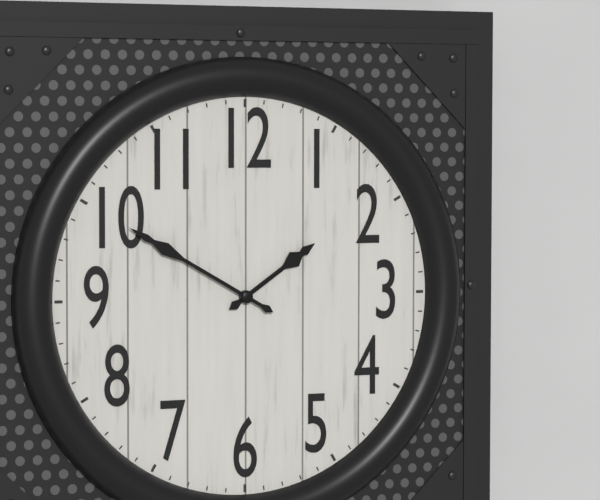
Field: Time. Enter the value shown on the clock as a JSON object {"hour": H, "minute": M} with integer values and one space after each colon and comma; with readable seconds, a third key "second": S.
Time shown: {"hour": 1, "minute": 50}
